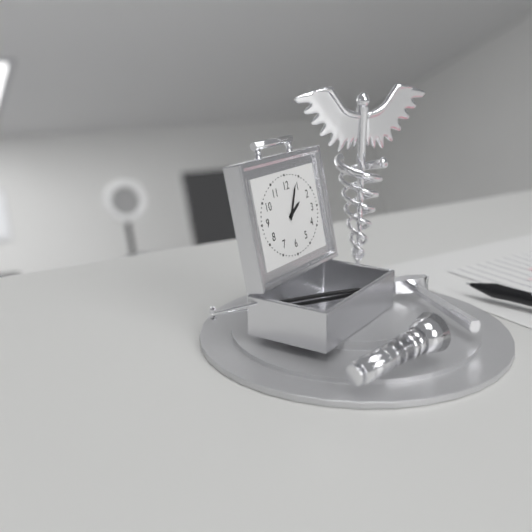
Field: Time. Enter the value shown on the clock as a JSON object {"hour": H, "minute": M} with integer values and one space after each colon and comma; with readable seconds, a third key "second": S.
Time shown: {"hour": 2, "minute": 5}
